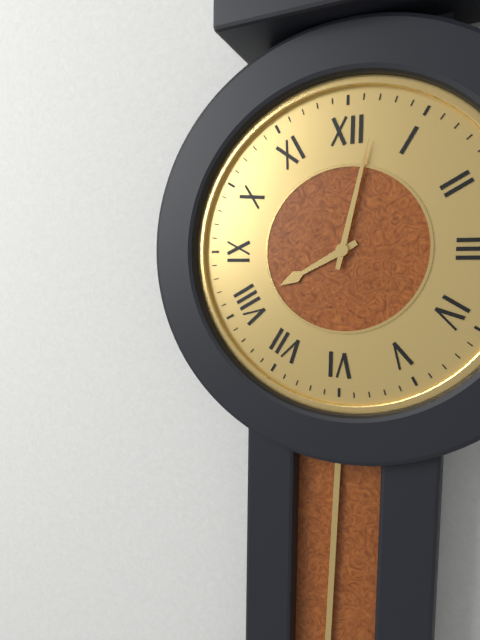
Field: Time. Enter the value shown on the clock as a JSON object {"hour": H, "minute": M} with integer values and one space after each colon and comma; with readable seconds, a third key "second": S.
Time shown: {"hour": 8, "minute": 2}
